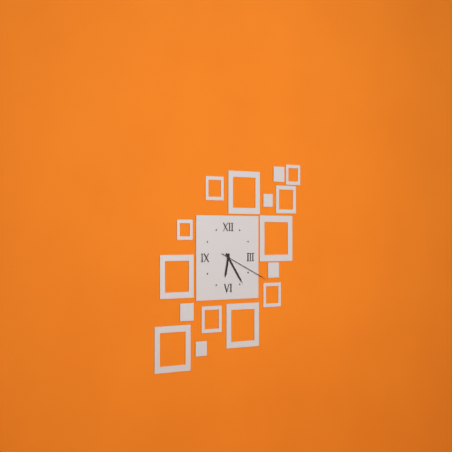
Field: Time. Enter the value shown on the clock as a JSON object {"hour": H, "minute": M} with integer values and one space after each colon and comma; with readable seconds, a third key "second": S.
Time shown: {"hour": 6, "minute": 24, "second": 19}
